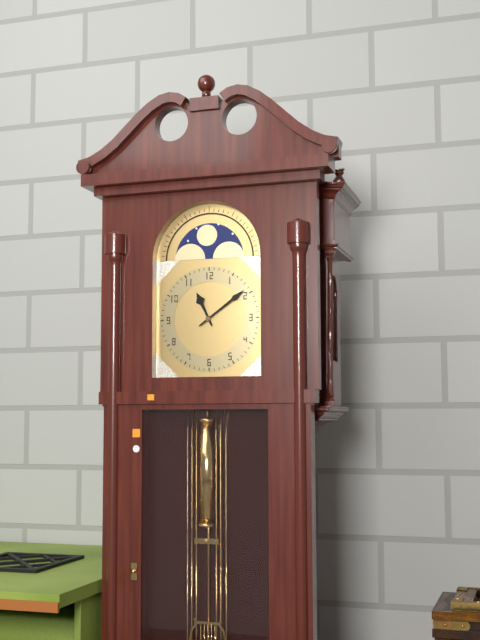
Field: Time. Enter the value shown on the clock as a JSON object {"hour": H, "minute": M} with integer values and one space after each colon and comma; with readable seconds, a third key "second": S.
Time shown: {"hour": 11, "minute": 9}
